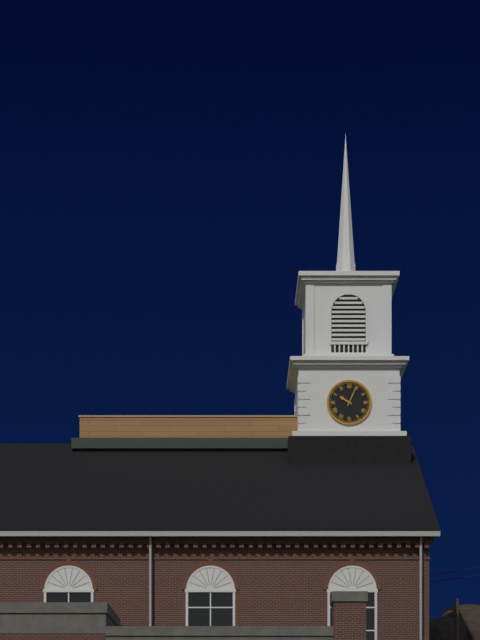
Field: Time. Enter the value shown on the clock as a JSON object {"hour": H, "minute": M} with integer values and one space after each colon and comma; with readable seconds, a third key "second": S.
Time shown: {"hour": 10, "minute": 4}
